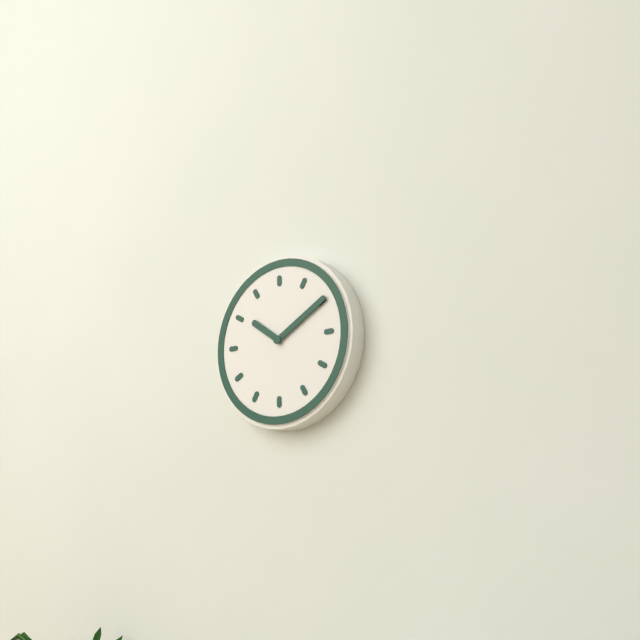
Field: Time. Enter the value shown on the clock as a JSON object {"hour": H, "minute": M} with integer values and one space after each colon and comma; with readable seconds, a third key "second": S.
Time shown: {"hour": 10, "minute": 10}
